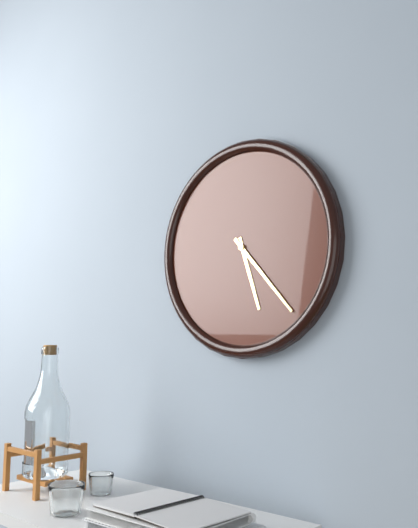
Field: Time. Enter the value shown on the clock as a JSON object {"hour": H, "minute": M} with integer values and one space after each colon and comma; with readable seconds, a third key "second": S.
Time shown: {"hour": 5, "minute": 23}
